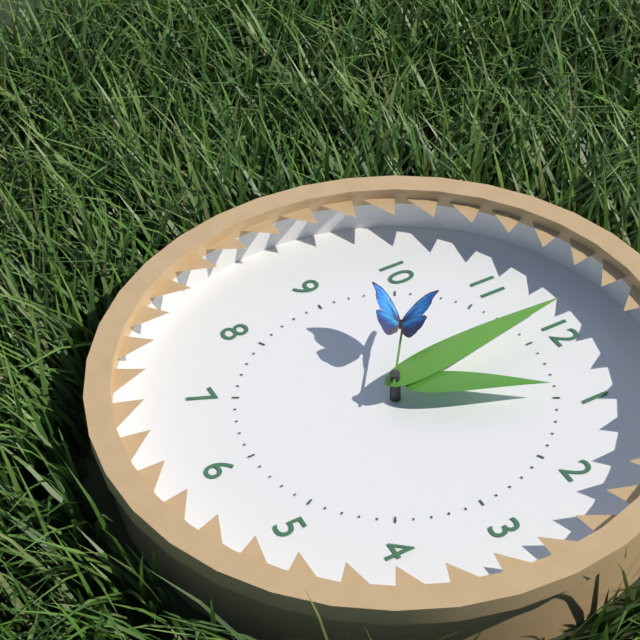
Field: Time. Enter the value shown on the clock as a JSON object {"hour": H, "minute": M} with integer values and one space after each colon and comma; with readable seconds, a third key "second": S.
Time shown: {"hour": 12, "minute": 59, "second": 51}
